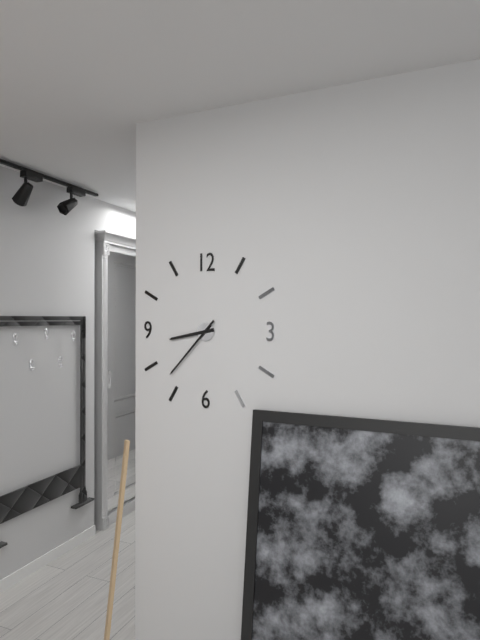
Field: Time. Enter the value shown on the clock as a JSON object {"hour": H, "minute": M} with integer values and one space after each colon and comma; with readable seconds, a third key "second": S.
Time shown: {"hour": 8, "minute": 37}
